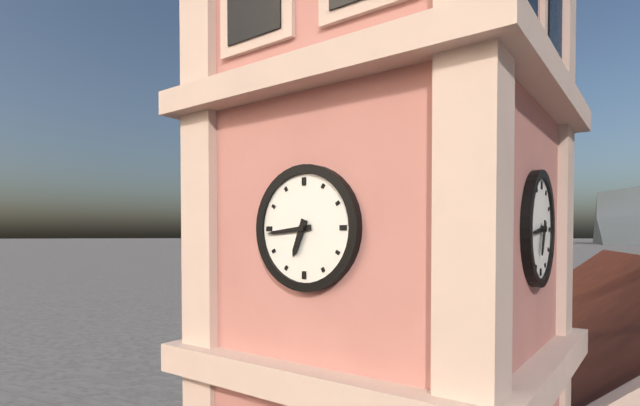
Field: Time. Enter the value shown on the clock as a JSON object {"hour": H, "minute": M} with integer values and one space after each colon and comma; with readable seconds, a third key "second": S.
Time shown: {"hour": 6, "minute": 44}
